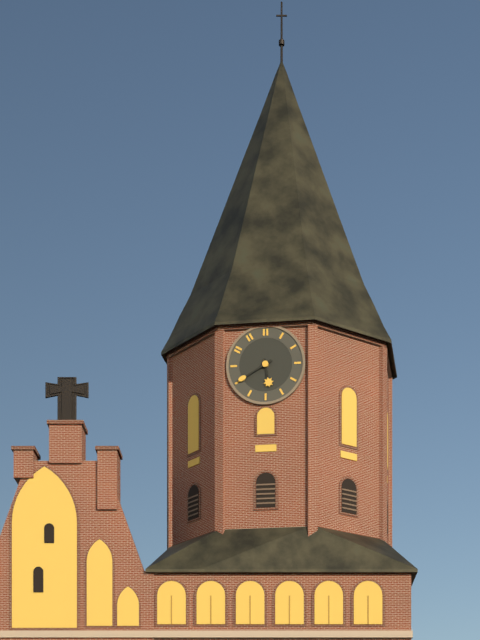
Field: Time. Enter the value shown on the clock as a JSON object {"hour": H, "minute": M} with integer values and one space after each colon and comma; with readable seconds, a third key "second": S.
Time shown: {"hour": 5, "minute": 40}
